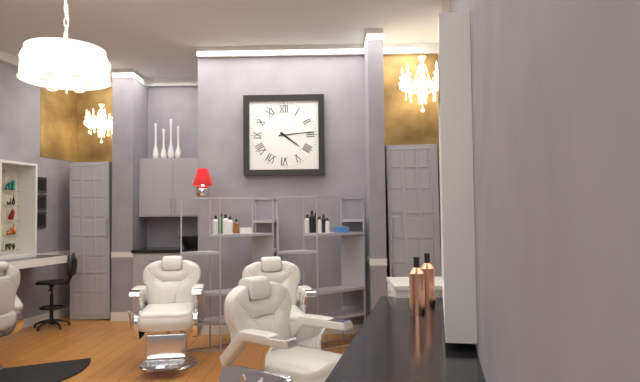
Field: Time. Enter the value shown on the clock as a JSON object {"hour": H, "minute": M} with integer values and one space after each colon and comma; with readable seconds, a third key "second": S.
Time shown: {"hour": 4, "minute": 14}
